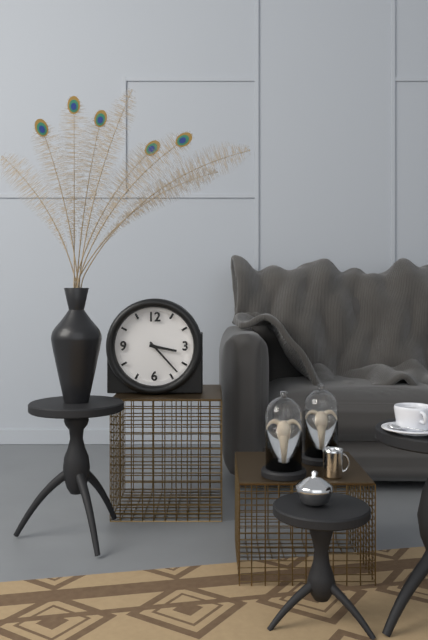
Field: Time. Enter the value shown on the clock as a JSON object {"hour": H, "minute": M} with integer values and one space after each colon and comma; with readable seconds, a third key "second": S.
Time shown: {"hour": 3, "minute": 23}
